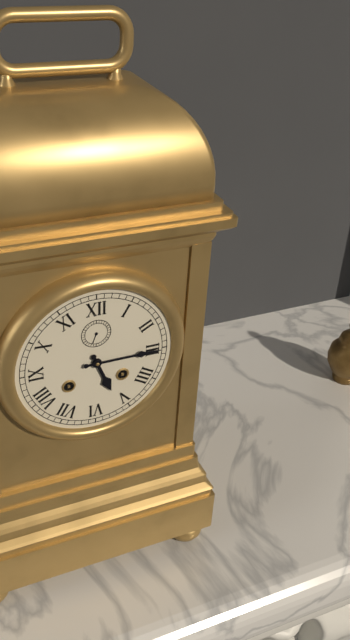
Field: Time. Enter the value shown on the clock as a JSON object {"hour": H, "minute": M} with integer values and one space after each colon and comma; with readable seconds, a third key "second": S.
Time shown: {"hour": 5, "minute": 15}
